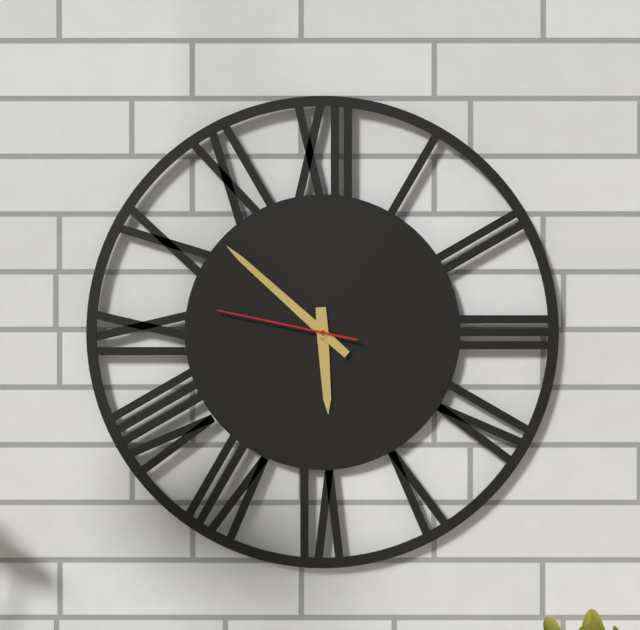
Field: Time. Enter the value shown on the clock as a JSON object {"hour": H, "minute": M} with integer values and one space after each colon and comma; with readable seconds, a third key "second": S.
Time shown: {"hour": 5, "minute": 52, "second": 47}
